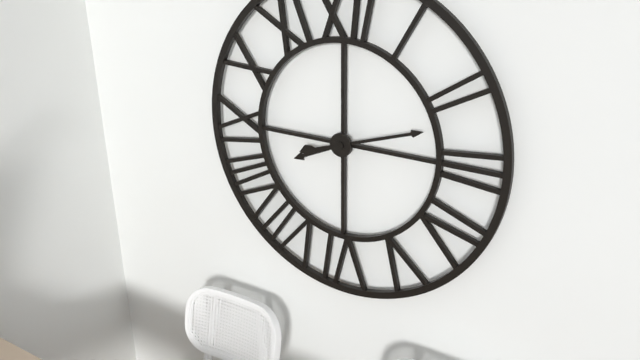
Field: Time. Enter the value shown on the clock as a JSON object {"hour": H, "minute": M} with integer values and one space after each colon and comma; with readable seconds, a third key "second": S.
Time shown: {"hour": 8, "minute": 12}
